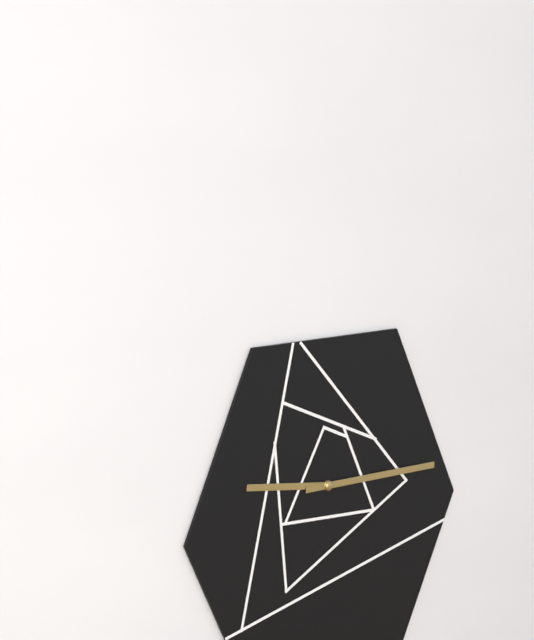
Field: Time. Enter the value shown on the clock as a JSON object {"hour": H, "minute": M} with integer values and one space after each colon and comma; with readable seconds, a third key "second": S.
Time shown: {"hour": 9, "minute": 15}
